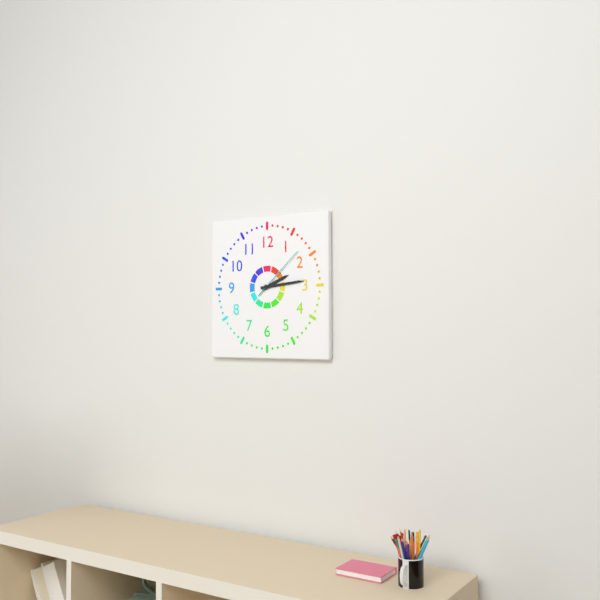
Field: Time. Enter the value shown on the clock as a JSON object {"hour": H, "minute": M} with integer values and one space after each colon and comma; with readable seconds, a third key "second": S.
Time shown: {"hour": 2, "minute": 14, "second": 8}
